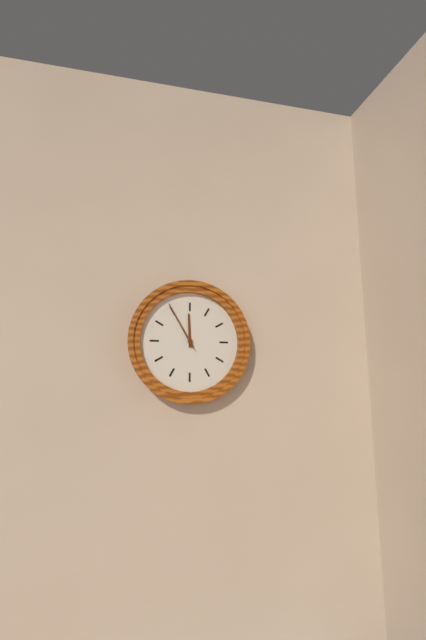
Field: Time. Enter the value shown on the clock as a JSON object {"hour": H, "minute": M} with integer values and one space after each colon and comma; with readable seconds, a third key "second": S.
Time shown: {"hour": 11, "minute": 55, "second": 55}
